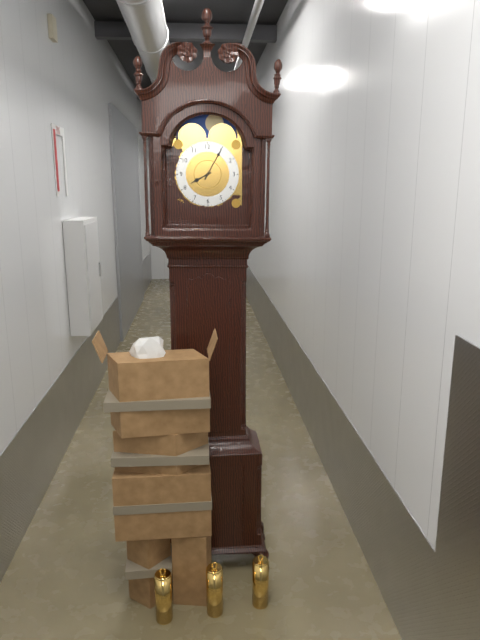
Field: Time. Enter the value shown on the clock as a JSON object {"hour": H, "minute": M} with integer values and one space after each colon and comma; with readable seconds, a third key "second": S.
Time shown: {"hour": 8, "minute": 5}
